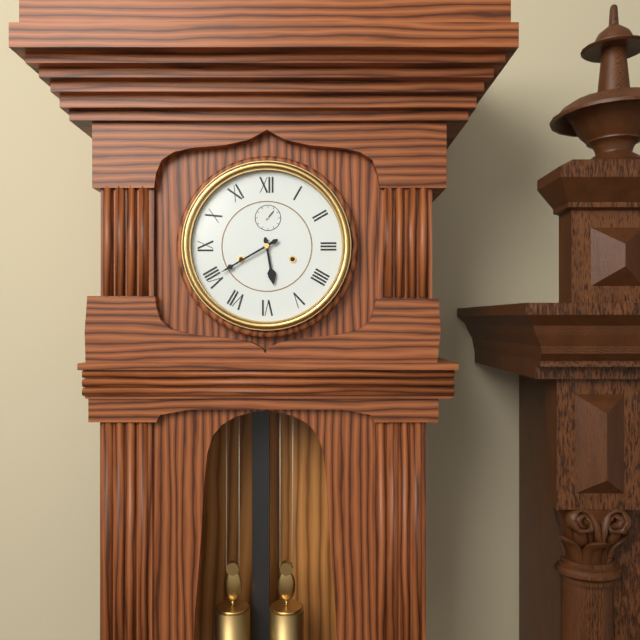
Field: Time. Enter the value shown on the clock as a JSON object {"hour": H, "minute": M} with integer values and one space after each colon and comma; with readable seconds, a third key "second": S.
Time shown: {"hour": 5, "minute": 40}
